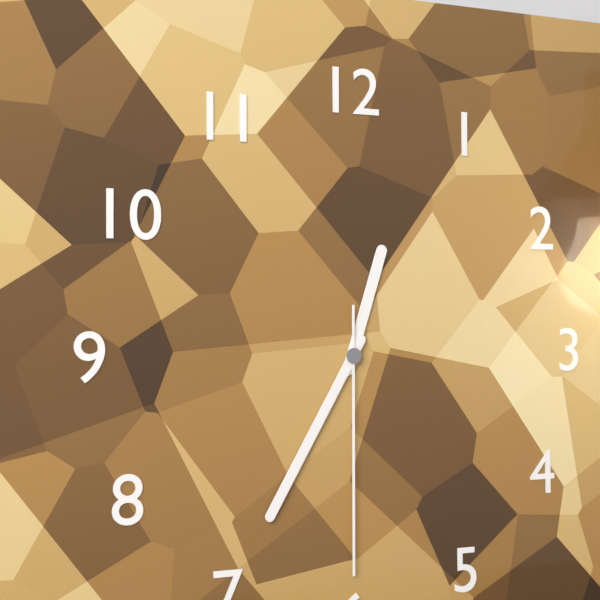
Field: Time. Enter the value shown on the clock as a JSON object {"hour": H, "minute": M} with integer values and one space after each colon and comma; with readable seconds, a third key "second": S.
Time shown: {"hour": 12, "minute": 35, "second": 30}
